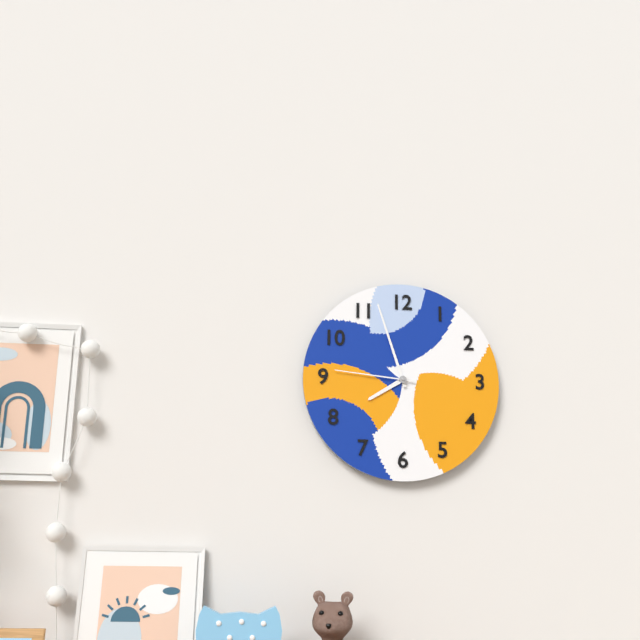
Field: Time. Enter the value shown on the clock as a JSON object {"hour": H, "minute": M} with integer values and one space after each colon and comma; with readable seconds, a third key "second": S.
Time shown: {"hour": 7, "minute": 57, "second": 46}
